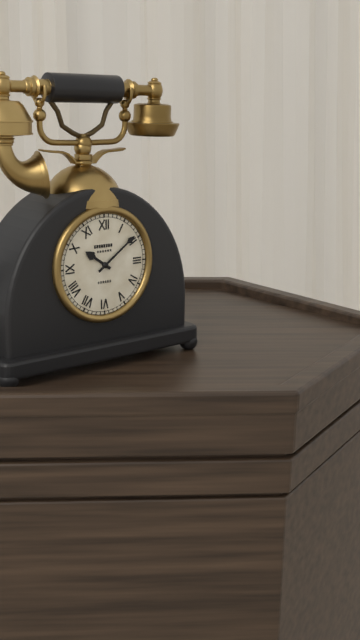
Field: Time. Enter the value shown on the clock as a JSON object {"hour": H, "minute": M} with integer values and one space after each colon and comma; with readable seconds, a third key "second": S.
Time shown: {"hour": 10, "minute": 9}
